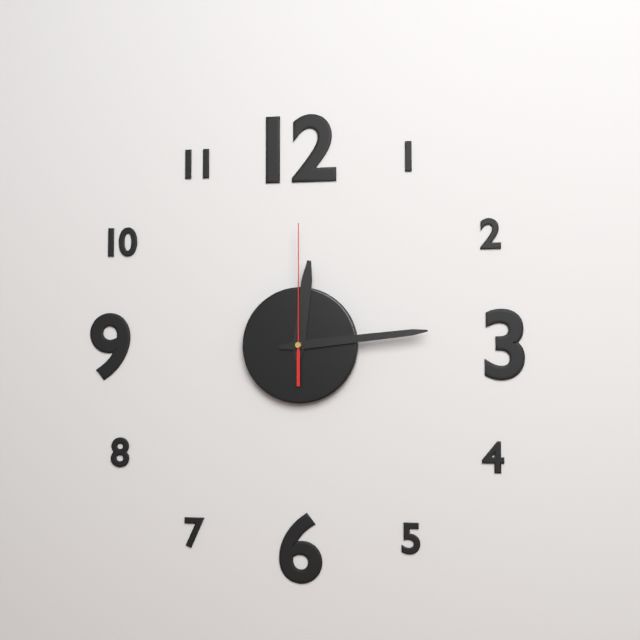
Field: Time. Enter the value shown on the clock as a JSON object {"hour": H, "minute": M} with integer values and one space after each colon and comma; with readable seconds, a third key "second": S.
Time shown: {"hour": 12, "minute": 14, "second": 0}
